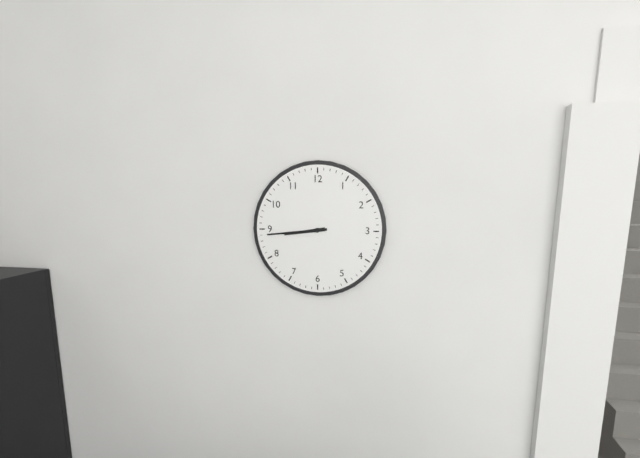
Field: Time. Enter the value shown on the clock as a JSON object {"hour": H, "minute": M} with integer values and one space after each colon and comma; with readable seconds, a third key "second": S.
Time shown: {"hour": 8, "minute": 44}
